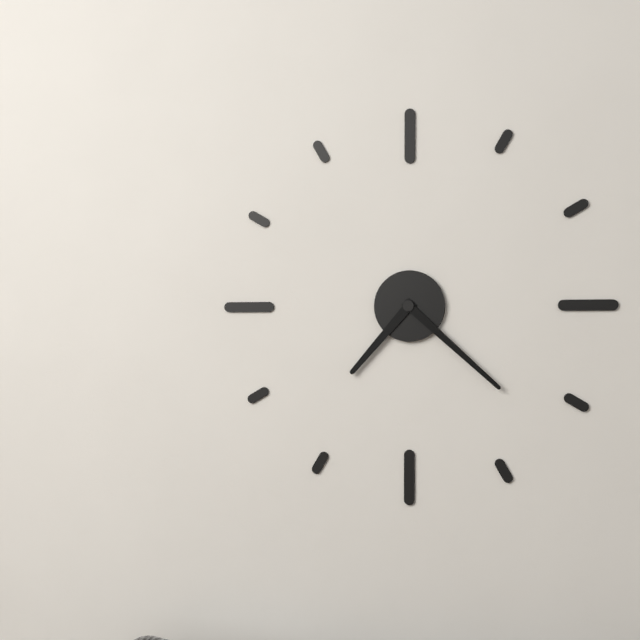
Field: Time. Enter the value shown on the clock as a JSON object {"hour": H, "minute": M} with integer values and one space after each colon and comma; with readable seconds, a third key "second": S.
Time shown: {"hour": 7, "minute": 22}
